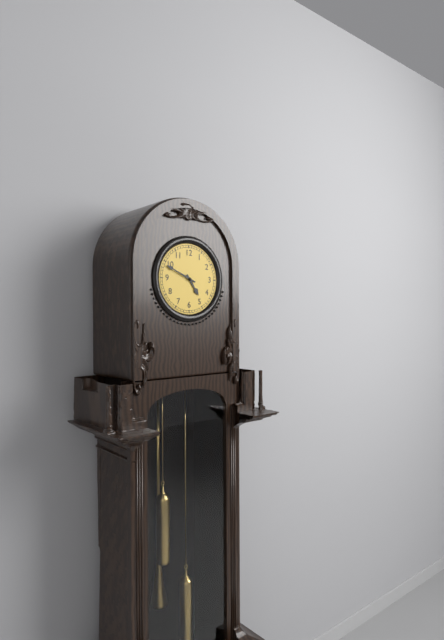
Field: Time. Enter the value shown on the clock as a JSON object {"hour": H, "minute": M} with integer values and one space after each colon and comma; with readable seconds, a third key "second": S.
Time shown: {"hour": 4, "minute": 49}
